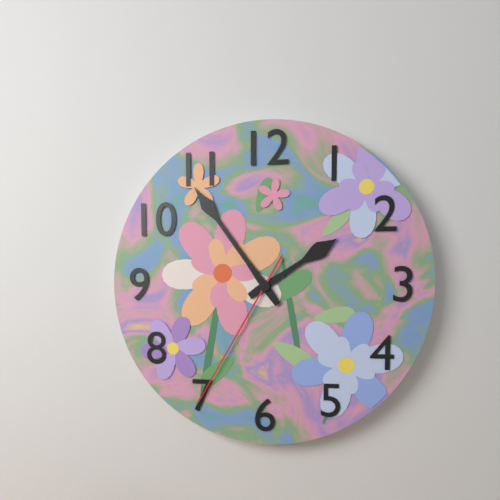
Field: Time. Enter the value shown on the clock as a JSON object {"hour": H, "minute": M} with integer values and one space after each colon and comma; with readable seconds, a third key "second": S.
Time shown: {"hour": 1, "minute": 54, "second": 35}
